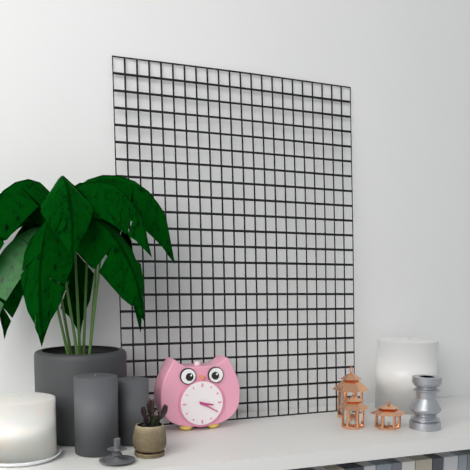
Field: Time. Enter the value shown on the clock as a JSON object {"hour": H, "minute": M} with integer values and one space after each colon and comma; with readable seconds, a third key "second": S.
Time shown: {"hour": 3, "minute": 20}
